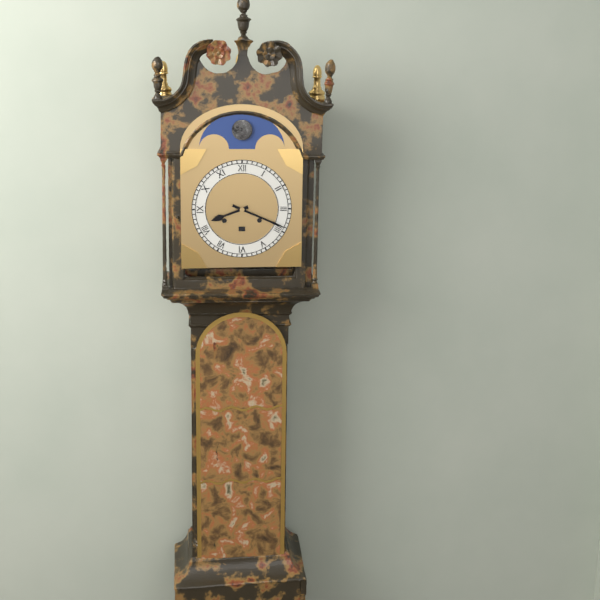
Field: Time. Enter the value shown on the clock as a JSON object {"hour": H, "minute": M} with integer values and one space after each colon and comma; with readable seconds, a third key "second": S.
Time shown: {"hour": 8, "minute": 19}
